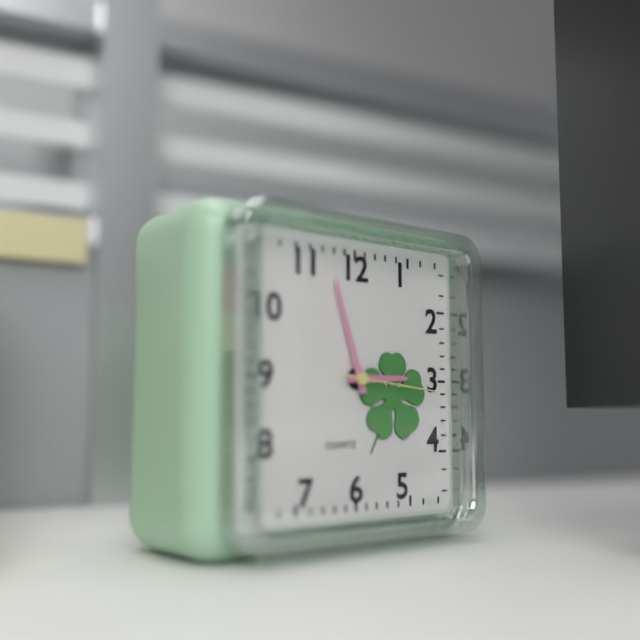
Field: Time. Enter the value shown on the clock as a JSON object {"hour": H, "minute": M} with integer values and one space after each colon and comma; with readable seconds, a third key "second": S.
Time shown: {"hour": 2, "minute": 57, "second": 16}
